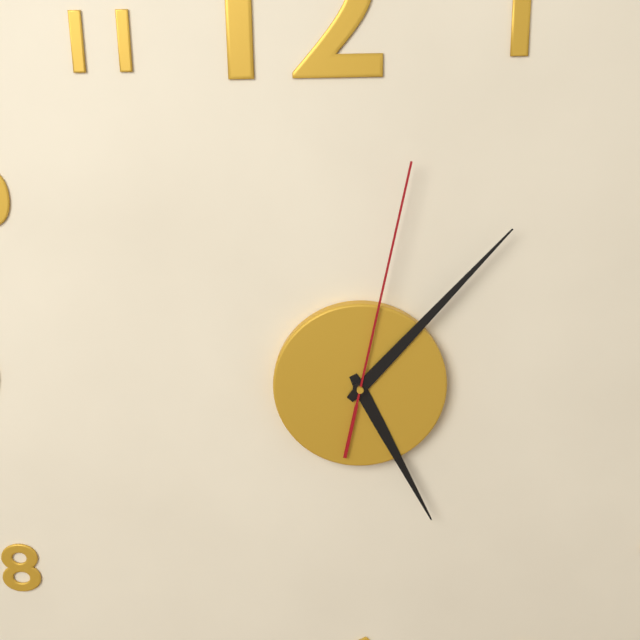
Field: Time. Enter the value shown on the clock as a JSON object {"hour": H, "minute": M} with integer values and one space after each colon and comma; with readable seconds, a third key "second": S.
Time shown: {"hour": 5, "minute": 7, "second": 2}
